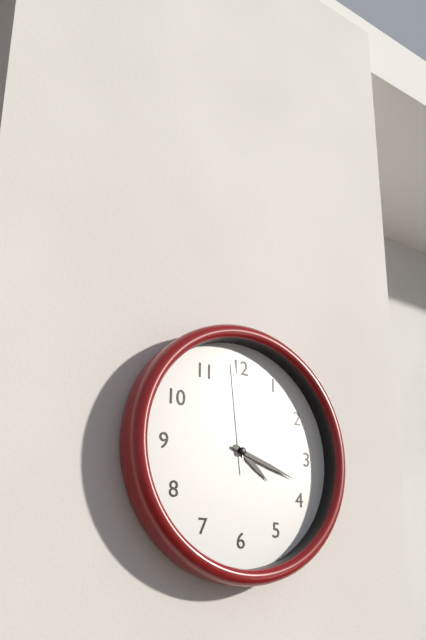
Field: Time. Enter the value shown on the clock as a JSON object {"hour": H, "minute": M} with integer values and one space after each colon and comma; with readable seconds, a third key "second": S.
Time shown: {"hour": 4, "minute": 18, "second": 59}
